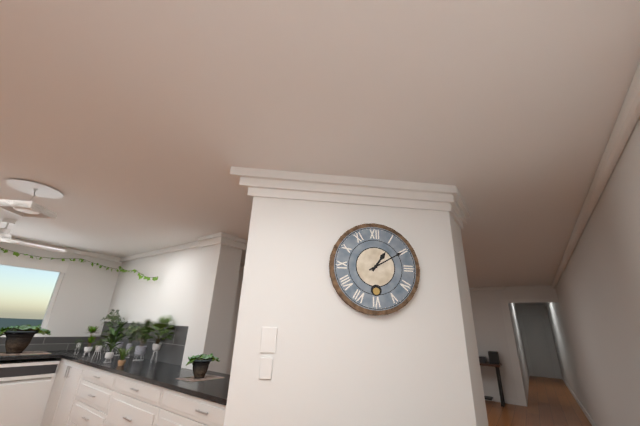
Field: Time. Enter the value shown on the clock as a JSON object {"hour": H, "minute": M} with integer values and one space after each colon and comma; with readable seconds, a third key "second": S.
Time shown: {"hour": 1, "minute": 10}
